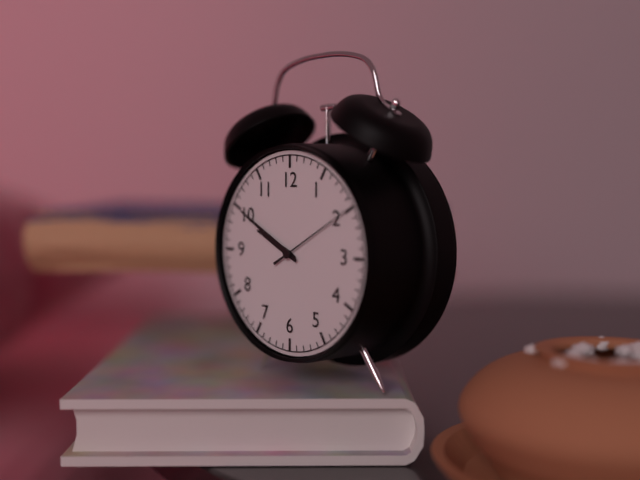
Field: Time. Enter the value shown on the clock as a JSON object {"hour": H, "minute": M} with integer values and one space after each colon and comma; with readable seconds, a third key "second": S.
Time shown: {"hour": 9, "minute": 50, "second": 10}
